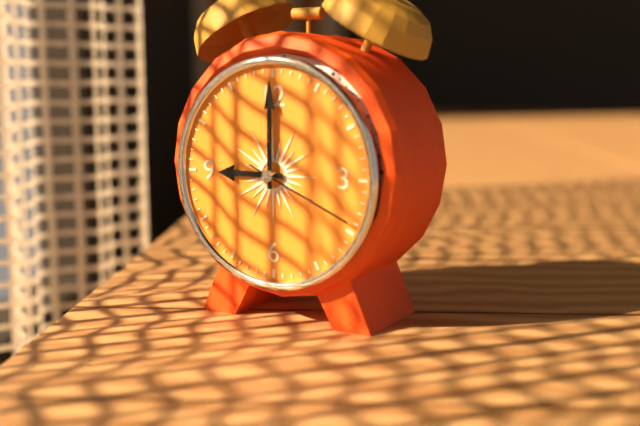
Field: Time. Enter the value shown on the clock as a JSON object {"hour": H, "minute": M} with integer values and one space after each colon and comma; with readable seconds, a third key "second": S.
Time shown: {"hour": 9, "minute": 0, "second": 19}
